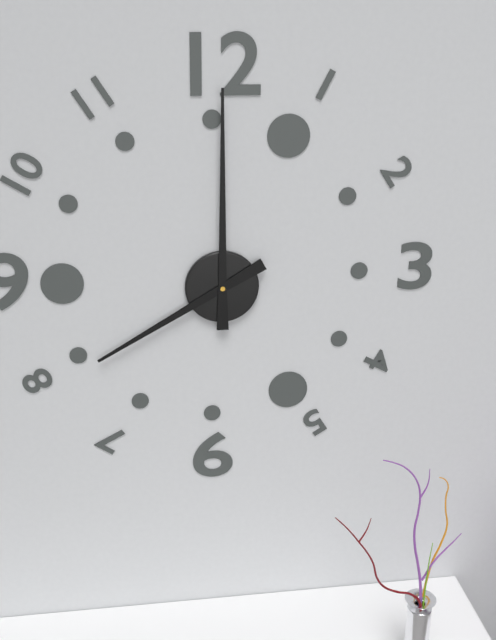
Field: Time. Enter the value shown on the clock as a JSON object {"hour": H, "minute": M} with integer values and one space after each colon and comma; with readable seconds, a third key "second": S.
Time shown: {"hour": 8, "minute": 0}
